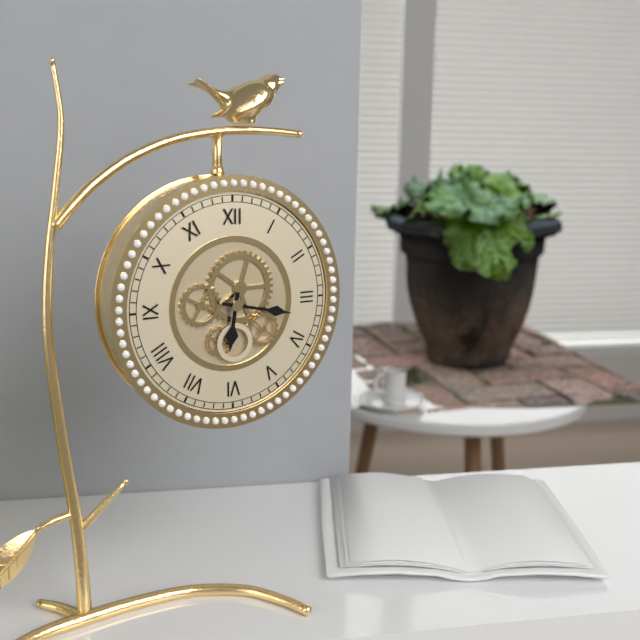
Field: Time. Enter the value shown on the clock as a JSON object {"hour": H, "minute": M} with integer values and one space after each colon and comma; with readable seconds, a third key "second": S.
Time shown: {"hour": 6, "minute": 17}
